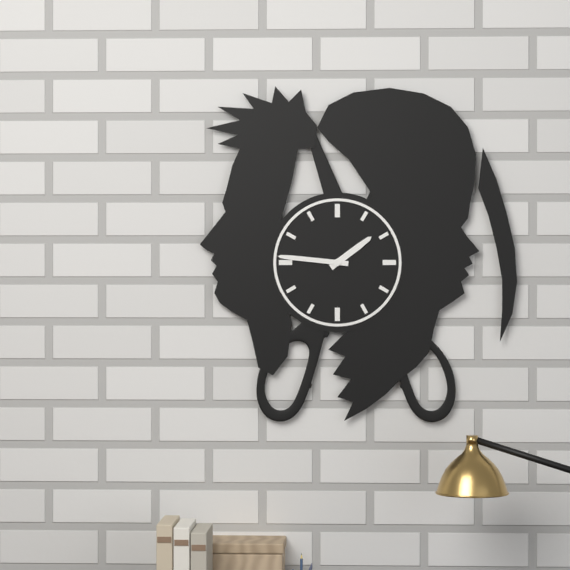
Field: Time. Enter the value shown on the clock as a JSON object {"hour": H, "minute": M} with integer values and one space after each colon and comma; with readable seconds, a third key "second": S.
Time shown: {"hour": 1, "minute": 46}
